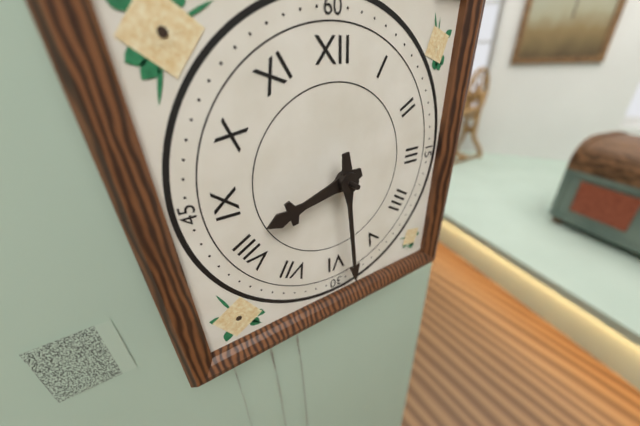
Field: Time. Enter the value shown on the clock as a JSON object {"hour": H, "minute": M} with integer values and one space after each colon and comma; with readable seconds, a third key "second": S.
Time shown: {"hour": 8, "minute": 29}
